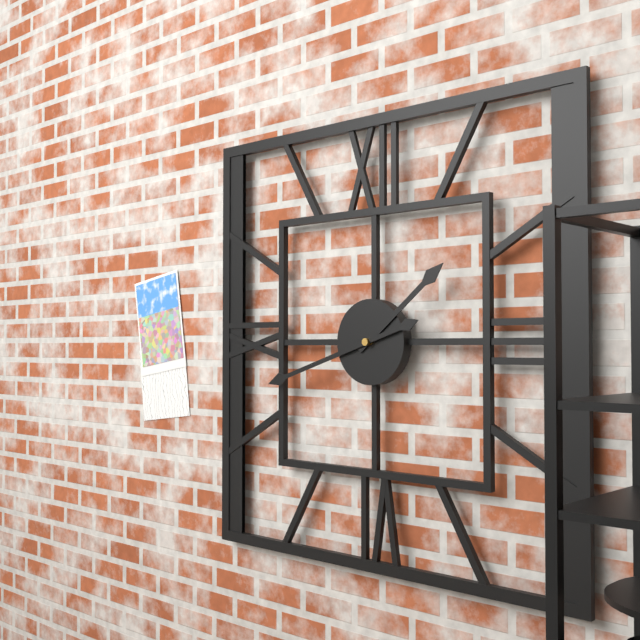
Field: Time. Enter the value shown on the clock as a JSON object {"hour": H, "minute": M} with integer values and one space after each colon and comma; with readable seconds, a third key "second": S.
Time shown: {"hour": 1, "minute": 42}
